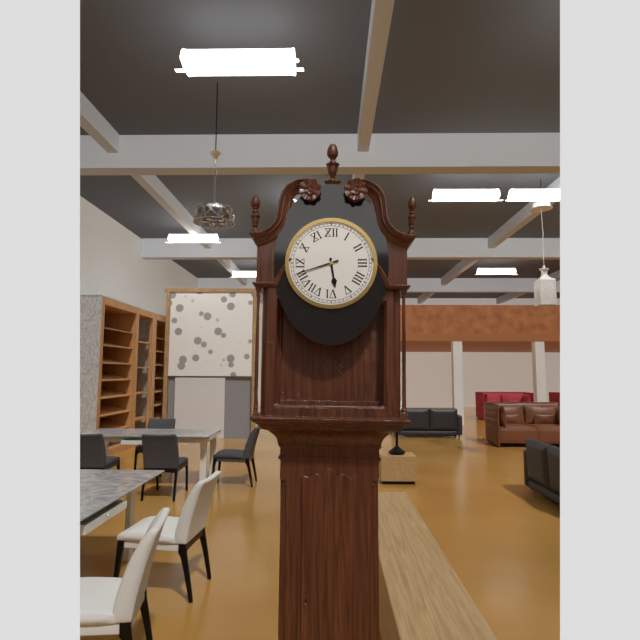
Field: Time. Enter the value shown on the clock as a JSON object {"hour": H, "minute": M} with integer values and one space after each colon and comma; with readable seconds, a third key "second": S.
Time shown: {"hour": 5, "minute": 42}
